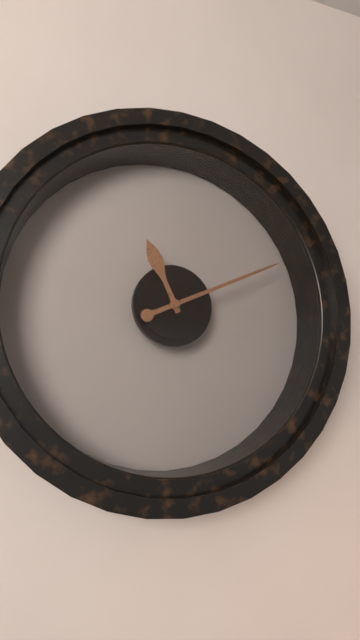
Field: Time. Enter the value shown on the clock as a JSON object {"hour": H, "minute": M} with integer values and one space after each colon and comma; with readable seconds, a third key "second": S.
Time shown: {"hour": 11, "minute": 11}
